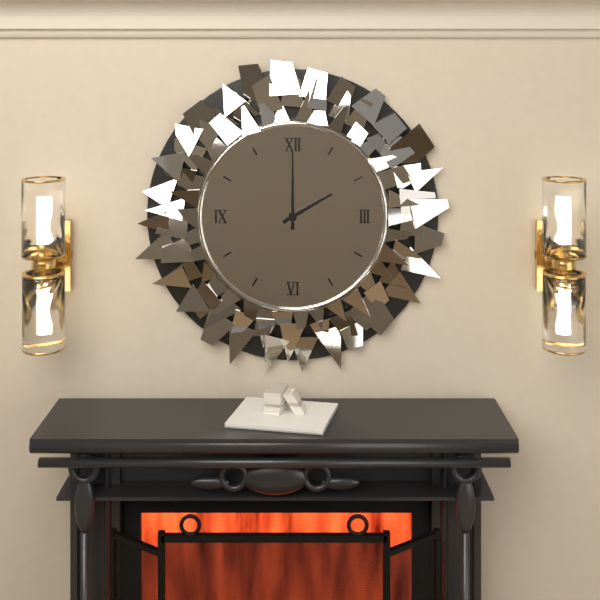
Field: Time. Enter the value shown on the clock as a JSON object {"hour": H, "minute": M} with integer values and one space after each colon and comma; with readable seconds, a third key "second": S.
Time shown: {"hour": 2, "minute": 0}
